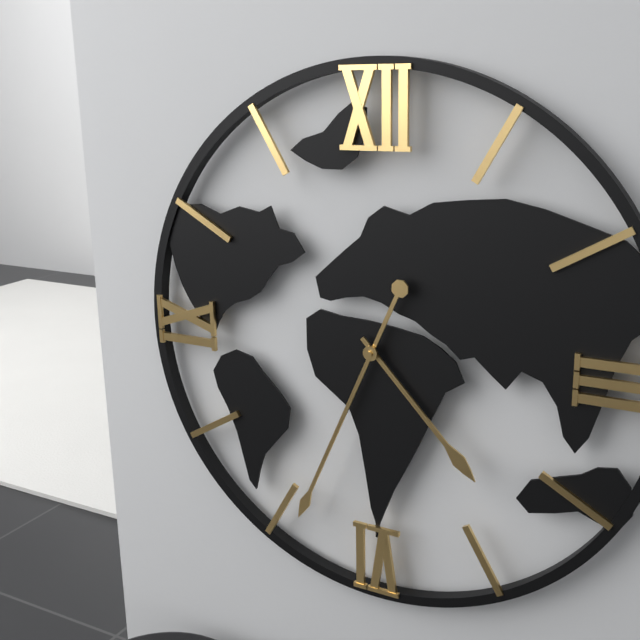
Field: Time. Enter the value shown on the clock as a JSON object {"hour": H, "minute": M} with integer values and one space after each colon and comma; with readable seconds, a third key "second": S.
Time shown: {"hour": 4, "minute": 34}
